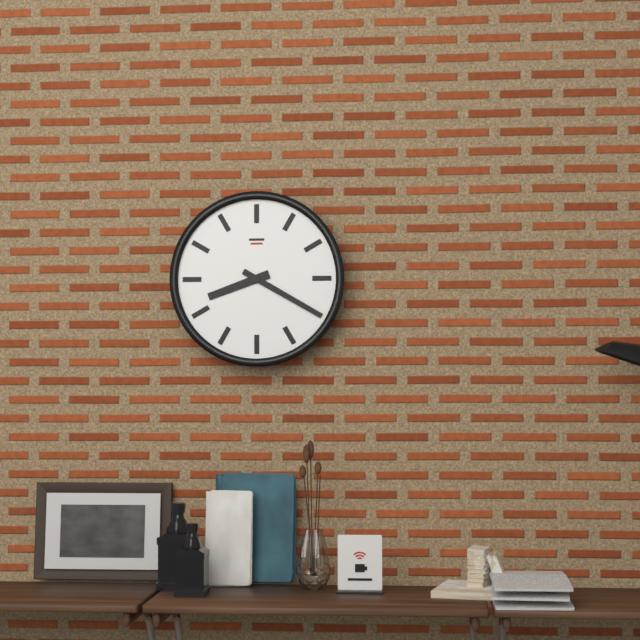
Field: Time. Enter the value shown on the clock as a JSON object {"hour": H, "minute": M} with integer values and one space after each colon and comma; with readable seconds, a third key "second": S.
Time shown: {"hour": 8, "minute": 20}
